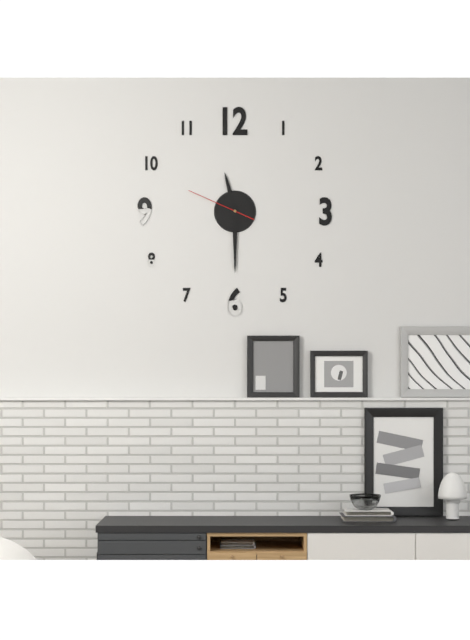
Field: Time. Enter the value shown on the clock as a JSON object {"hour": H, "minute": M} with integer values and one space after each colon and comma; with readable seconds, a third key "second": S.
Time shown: {"hour": 11, "minute": 30, "second": 49}
